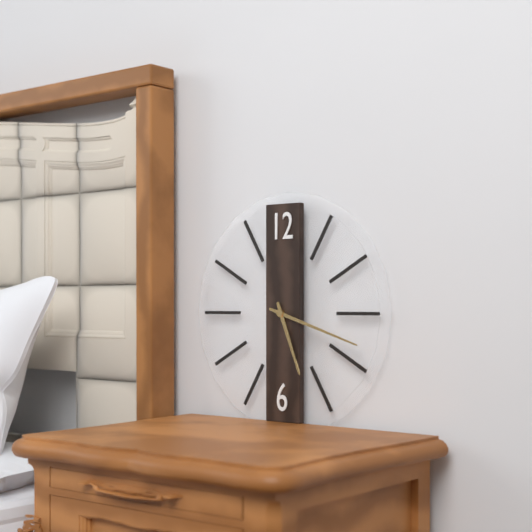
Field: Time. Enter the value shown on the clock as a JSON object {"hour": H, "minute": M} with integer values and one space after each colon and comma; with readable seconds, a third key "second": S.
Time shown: {"hour": 5, "minute": 18}
